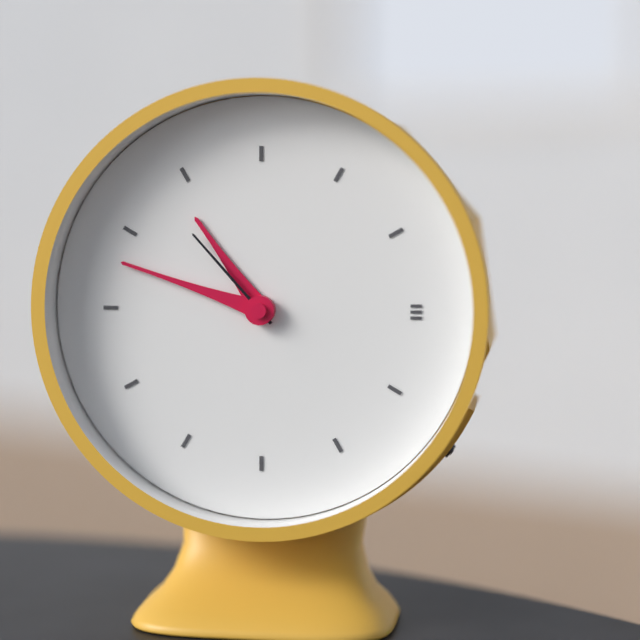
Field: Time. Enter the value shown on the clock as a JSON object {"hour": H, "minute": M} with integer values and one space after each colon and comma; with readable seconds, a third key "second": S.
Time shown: {"hour": 10, "minute": 48, "second": 53}
